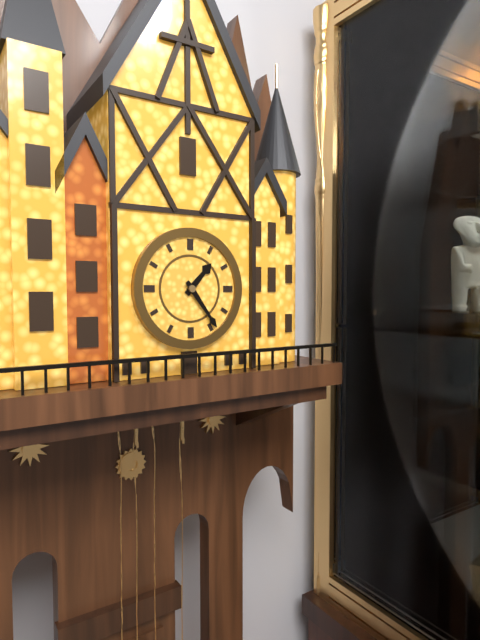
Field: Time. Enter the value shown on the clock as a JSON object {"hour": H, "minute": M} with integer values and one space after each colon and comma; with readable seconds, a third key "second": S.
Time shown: {"hour": 1, "minute": 24}
